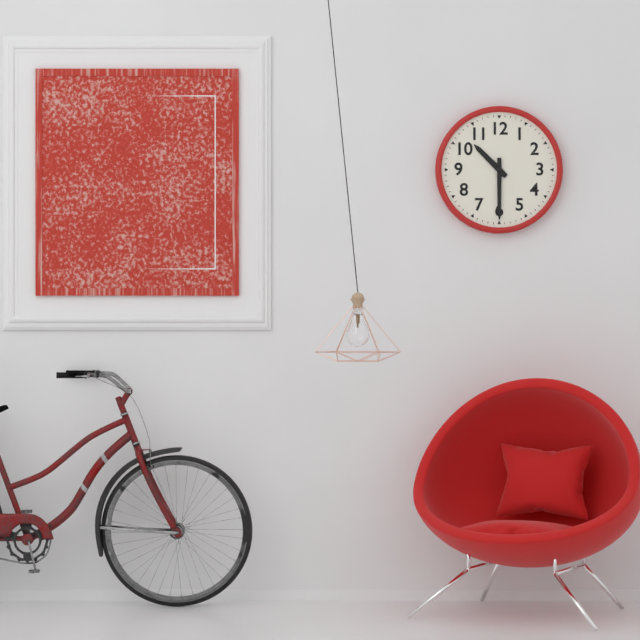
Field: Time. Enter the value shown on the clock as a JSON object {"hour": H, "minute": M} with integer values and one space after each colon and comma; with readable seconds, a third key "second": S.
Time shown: {"hour": 10, "minute": 30}
